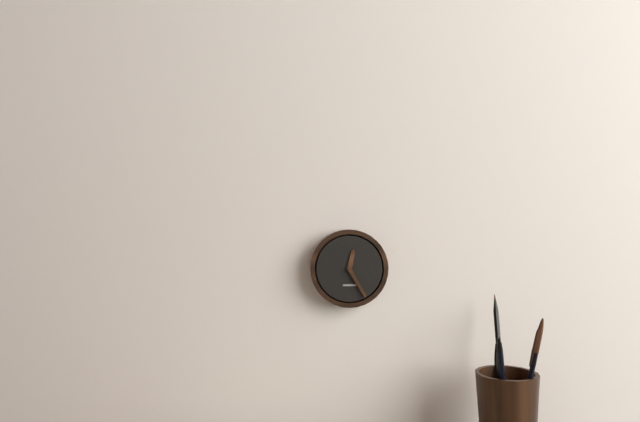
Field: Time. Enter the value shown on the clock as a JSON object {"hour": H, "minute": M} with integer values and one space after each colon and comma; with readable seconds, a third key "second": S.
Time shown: {"hour": 12, "minute": 25}
